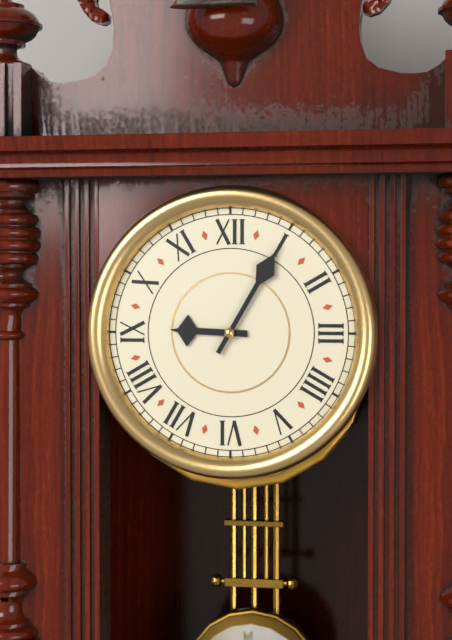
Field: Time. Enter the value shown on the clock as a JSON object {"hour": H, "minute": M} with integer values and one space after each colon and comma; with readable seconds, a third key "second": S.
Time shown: {"hour": 9, "minute": 5}
